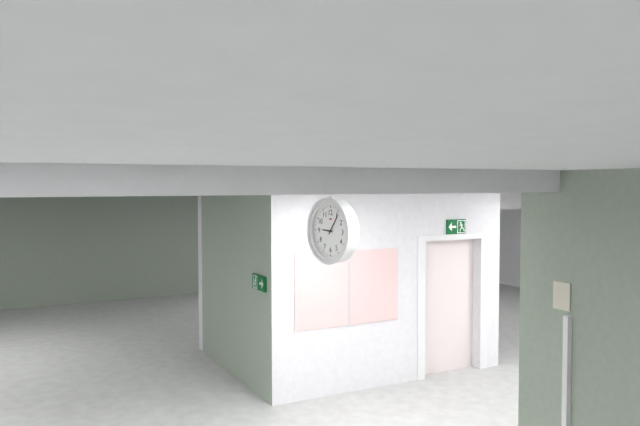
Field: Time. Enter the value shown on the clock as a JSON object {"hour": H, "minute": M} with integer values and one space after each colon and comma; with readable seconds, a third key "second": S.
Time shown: {"hour": 9, "minute": 6}
